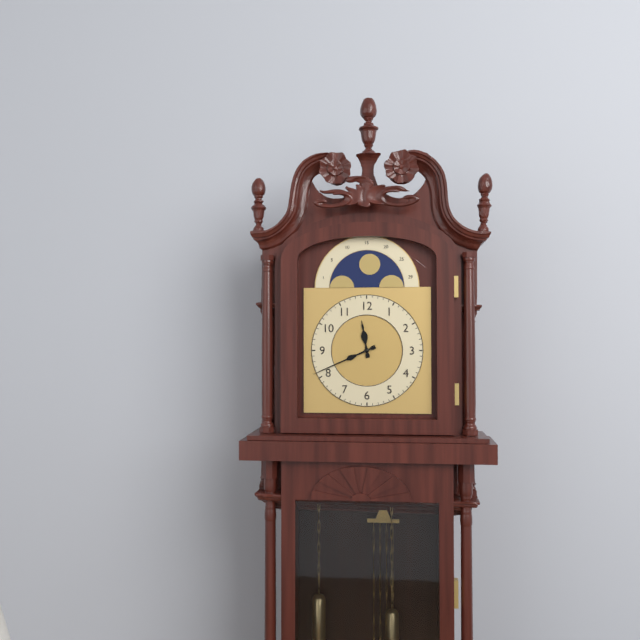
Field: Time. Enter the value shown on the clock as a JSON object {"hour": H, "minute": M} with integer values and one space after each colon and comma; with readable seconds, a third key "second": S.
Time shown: {"hour": 11, "minute": 41}
